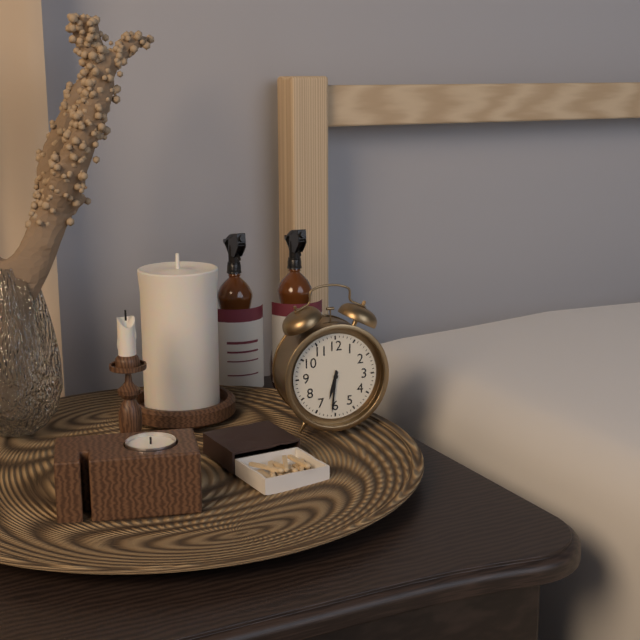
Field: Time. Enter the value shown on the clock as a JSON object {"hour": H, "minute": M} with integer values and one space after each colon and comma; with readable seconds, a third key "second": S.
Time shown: {"hour": 6, "minute": 31}
